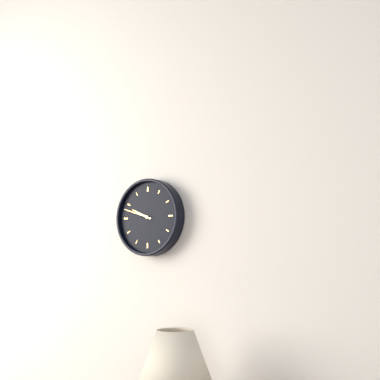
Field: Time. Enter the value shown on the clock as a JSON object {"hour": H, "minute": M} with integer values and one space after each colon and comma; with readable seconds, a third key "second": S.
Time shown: {"hour": 9, "minute": 48}
